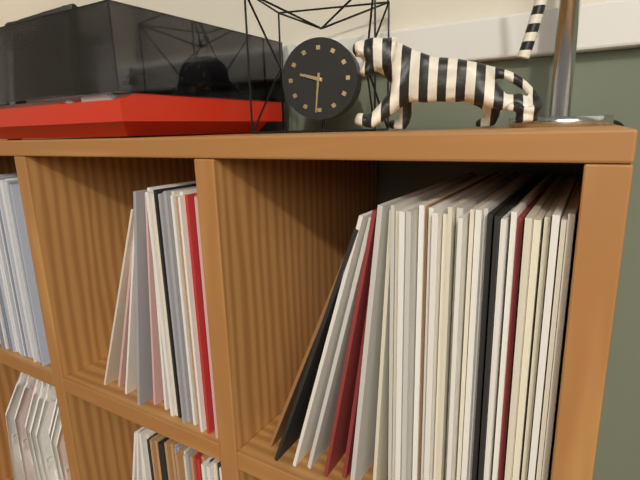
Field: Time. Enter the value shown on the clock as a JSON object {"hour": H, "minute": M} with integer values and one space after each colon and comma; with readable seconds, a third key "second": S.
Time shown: {"hour": 9, "minute": 31}
